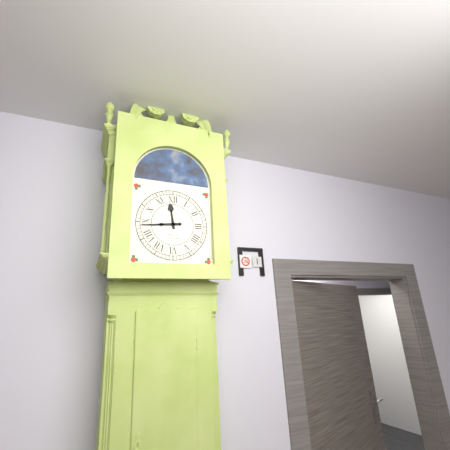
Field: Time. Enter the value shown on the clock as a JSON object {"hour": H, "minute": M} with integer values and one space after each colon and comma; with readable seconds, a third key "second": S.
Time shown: {"hour": 11, "minute": 44}
